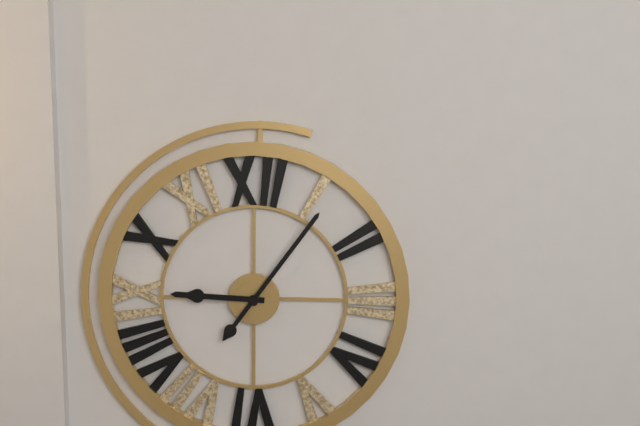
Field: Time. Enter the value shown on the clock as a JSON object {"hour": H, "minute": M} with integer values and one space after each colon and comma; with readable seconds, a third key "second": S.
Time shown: {"hour": 9, "minute": 6}
